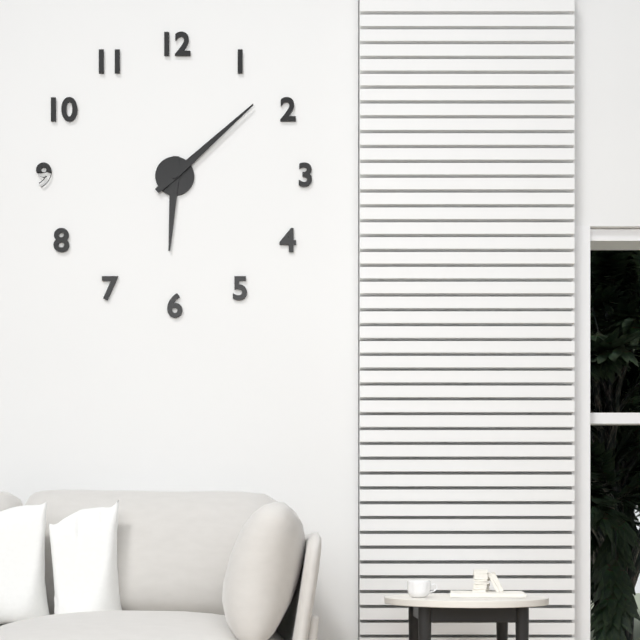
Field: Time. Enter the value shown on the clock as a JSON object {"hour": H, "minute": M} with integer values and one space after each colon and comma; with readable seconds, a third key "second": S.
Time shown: {"hour": 6, "minute": 8}
